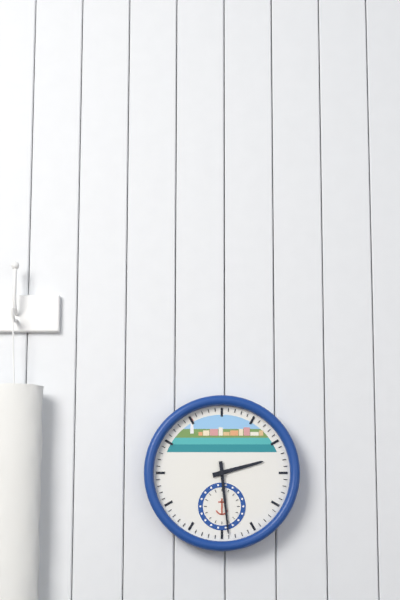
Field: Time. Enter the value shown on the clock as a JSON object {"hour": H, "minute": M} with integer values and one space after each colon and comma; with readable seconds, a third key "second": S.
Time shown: {"hour": 2, "minute": 29}
